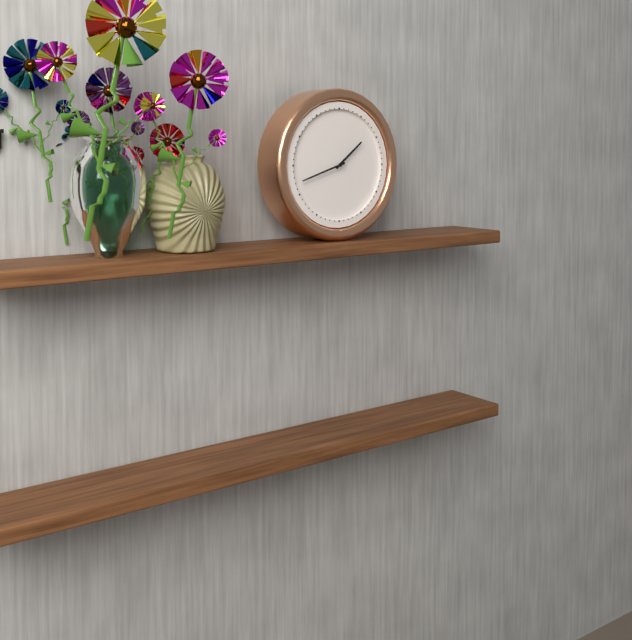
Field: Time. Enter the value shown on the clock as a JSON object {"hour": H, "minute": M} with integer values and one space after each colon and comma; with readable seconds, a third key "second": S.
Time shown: {"hour": 1, "minute": 42}
